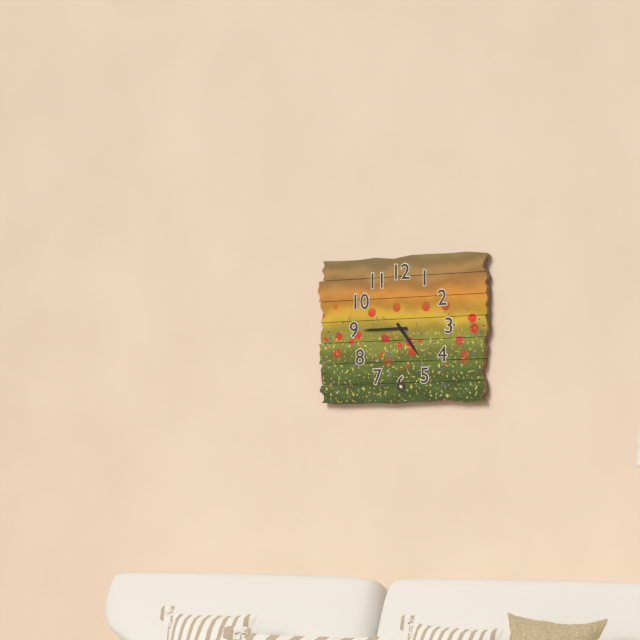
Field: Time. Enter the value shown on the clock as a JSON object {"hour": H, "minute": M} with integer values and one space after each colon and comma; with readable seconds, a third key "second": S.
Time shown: {"hour": 4, "minute": 45}
